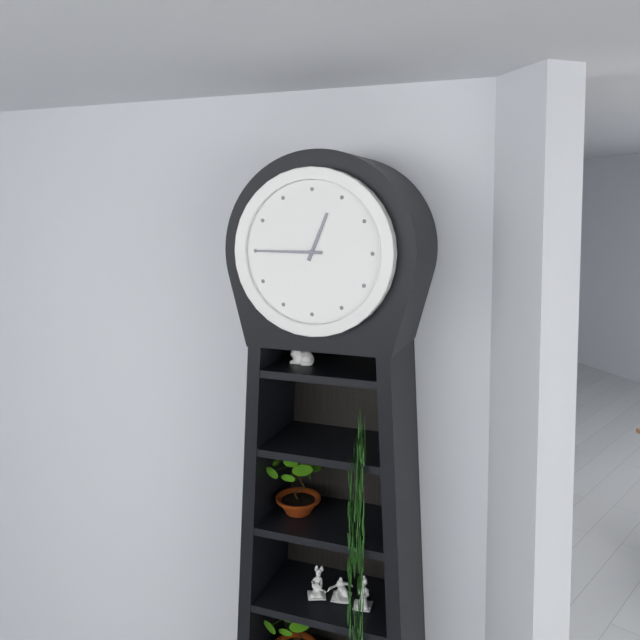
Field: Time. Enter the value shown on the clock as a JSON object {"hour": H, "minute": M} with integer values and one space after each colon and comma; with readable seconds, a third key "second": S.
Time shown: {"hour": 12, "minute": 45}
